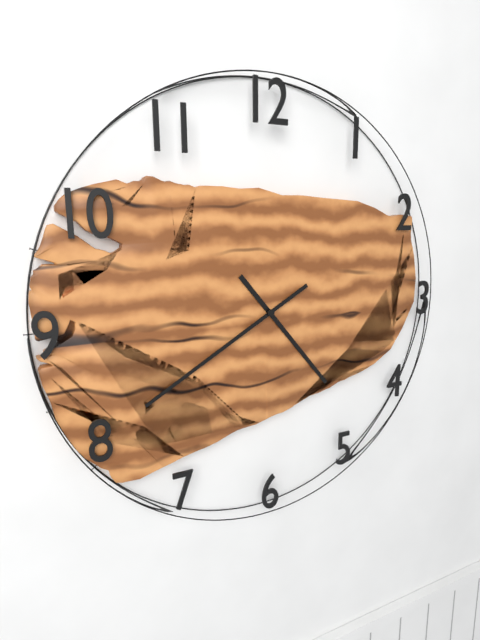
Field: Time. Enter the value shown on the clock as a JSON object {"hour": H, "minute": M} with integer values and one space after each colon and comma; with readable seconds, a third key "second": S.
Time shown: {"hour": 4, "minute": 40}
